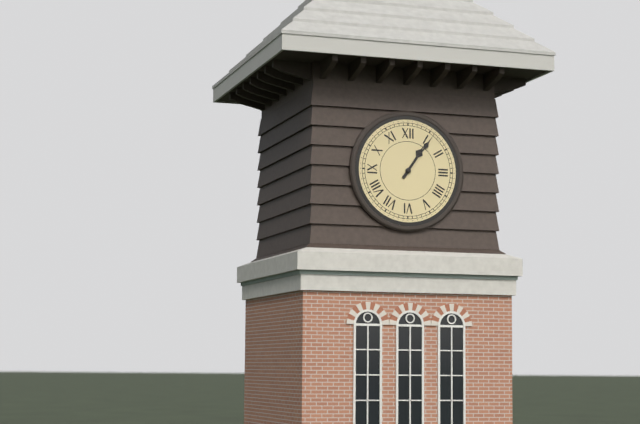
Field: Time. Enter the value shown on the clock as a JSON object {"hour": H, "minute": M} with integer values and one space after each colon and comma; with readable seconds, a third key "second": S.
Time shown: {"hour": 1, "minute": 6}
